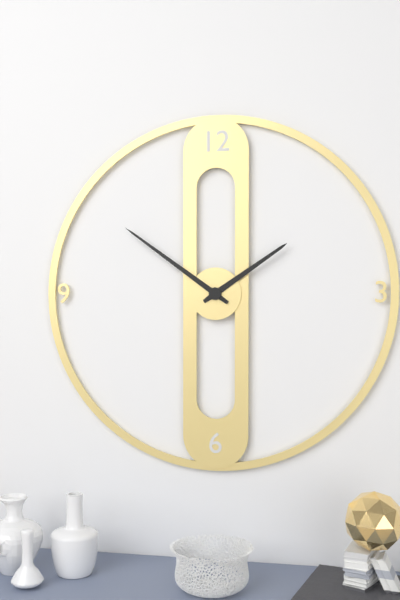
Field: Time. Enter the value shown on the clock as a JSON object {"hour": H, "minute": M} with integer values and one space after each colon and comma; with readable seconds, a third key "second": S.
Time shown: {"hour": 1, "minute": 51}
